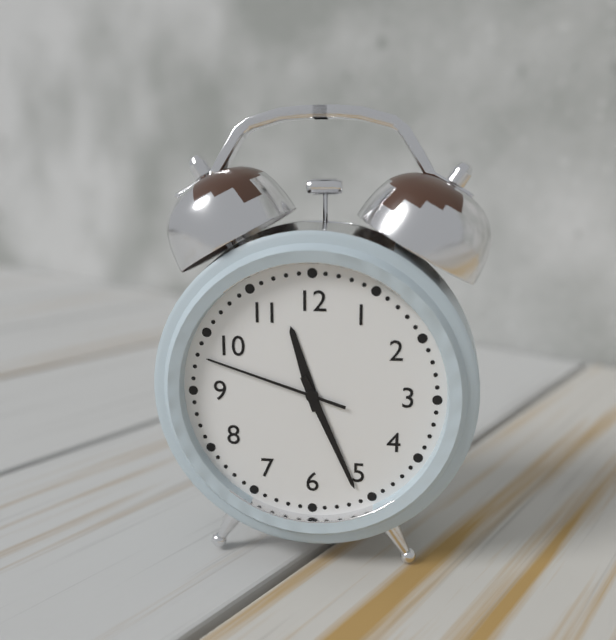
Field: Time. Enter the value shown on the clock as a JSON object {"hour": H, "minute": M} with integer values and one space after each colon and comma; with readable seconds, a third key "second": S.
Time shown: {"hour": 11, "minute": 26, "second": 48}
